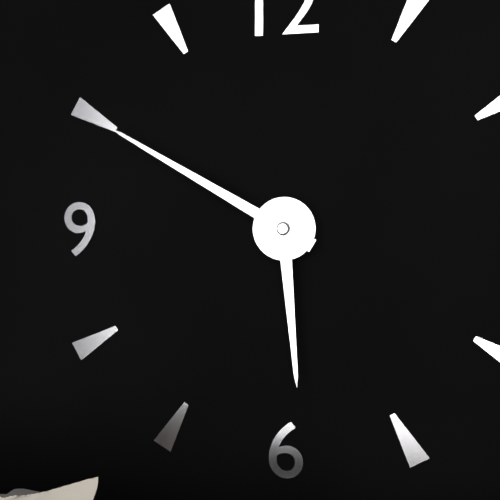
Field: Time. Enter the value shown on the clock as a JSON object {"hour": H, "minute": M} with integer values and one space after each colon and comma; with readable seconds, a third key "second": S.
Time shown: {"hour": 5, "minute": 50}
